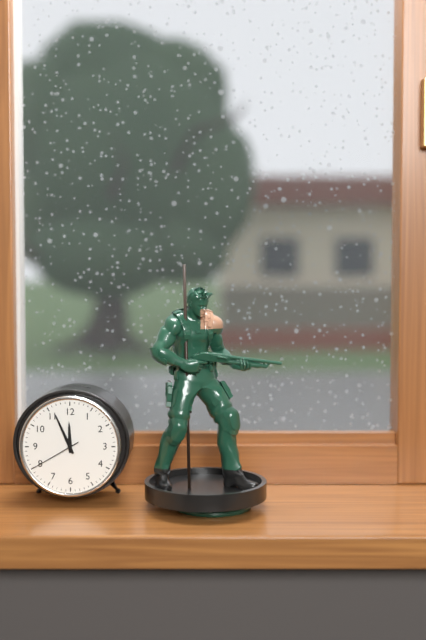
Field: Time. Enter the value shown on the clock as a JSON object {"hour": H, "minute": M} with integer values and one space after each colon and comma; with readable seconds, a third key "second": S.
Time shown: {"hour": 11, "minute": 56, "second": 40}
